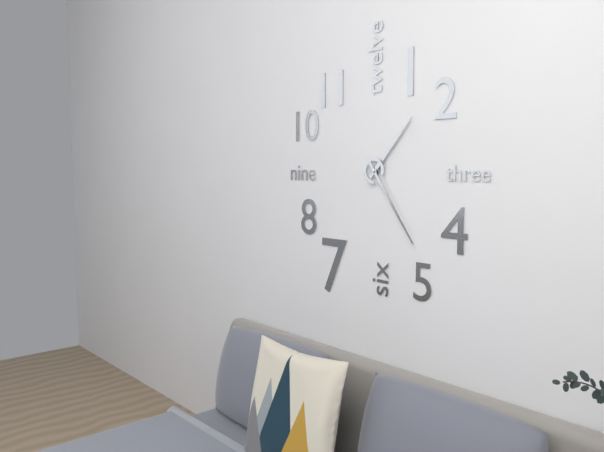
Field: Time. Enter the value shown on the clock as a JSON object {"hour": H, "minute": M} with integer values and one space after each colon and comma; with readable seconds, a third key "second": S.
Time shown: {"hour": 1, "minute": 24}
